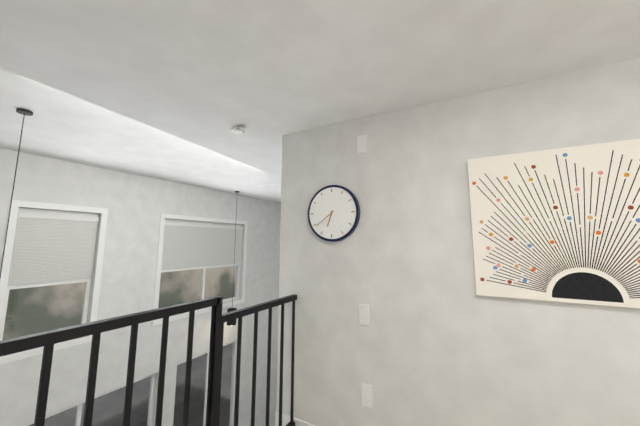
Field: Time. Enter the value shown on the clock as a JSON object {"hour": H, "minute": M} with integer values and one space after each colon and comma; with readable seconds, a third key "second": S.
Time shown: {"hour": 6, "minute": 39}
